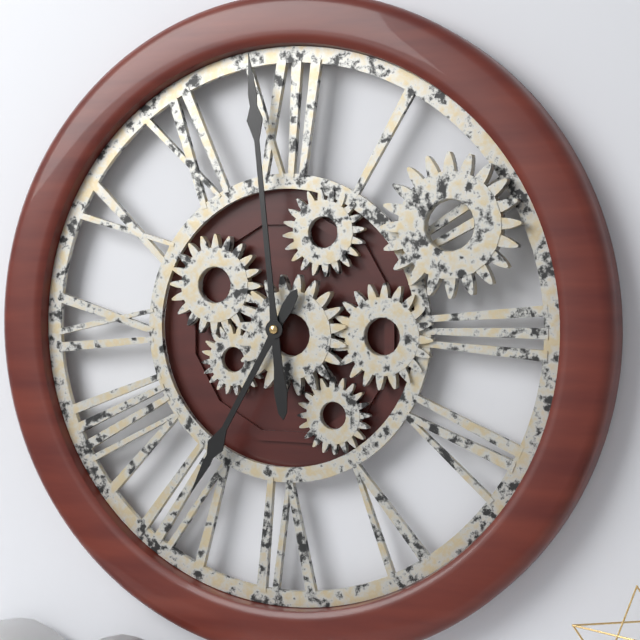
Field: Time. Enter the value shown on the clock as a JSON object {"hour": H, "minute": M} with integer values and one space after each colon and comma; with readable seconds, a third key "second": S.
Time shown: {"hour": 6, "minute": 59}
